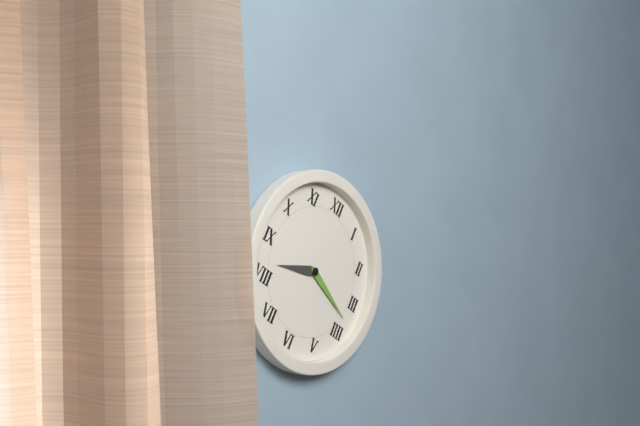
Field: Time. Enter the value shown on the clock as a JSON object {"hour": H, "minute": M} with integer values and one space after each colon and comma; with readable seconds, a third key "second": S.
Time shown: {"hour": 8, "minute": 18}
